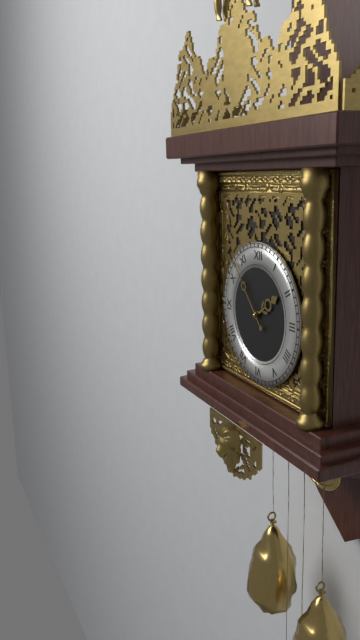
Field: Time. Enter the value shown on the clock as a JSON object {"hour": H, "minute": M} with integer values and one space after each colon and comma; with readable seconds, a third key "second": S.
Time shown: {"hour": 1, "minute": 53}
